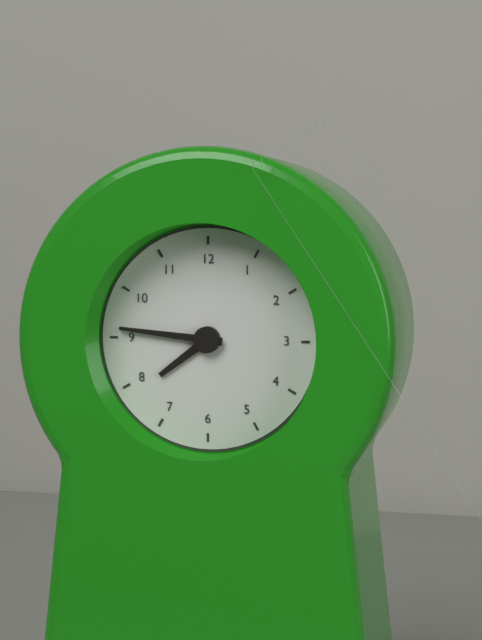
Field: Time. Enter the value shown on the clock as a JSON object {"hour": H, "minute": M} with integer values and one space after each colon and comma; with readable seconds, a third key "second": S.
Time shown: {"hour": 7, "minute": 46}
